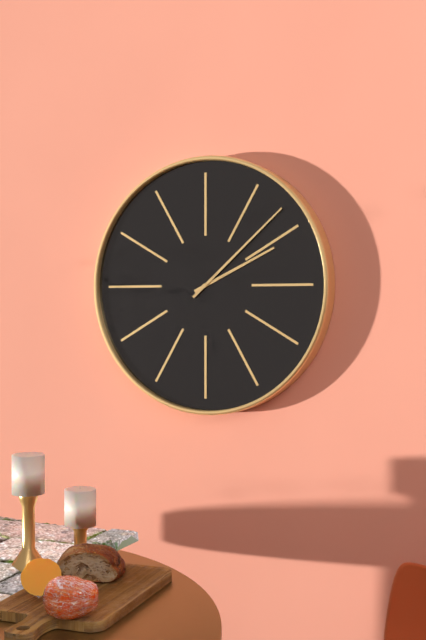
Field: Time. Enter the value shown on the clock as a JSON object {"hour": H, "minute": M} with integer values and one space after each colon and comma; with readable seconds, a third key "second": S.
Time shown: {"hour": 2, "minute": 8}
